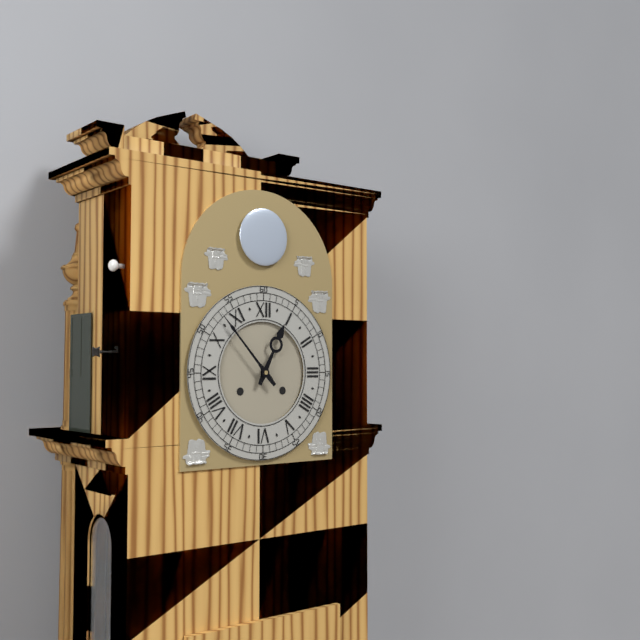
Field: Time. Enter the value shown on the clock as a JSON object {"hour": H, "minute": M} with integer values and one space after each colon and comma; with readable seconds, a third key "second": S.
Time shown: {"hour": 12, "minute": 53}
